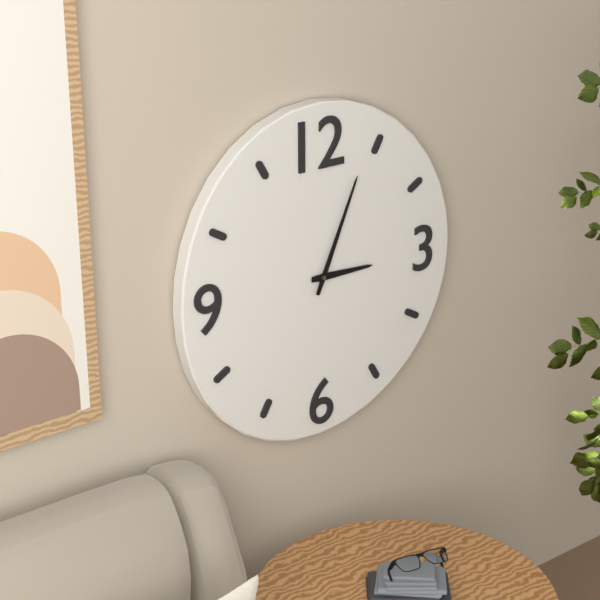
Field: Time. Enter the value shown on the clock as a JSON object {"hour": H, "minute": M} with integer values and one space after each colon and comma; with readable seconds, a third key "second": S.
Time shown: {"hour": 3, "minute": 4}
